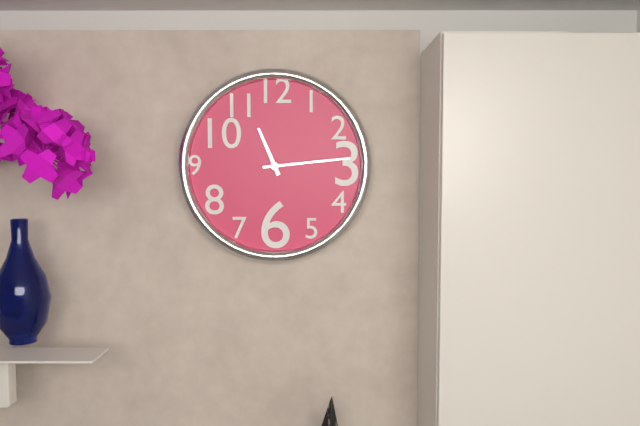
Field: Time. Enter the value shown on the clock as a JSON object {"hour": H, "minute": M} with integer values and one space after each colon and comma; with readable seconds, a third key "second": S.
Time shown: {"hour": 11, "minute": 14}
